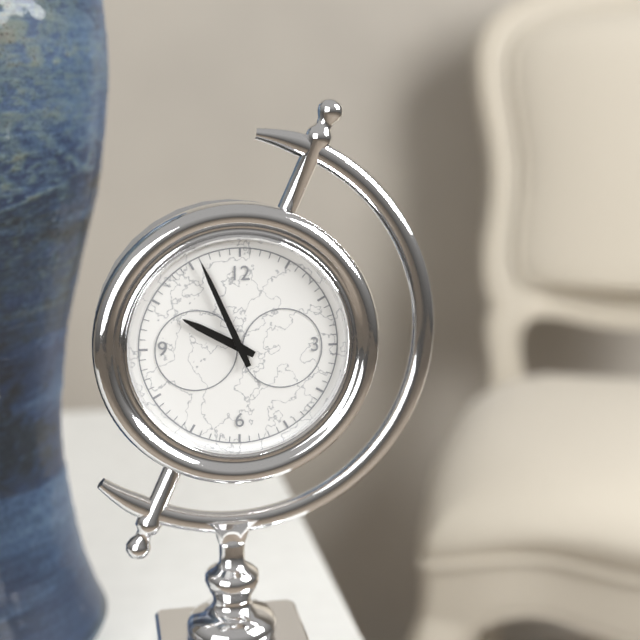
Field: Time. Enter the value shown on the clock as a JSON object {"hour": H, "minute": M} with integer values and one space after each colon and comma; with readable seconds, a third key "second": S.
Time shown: {"hour": 9, "minute": 56}
